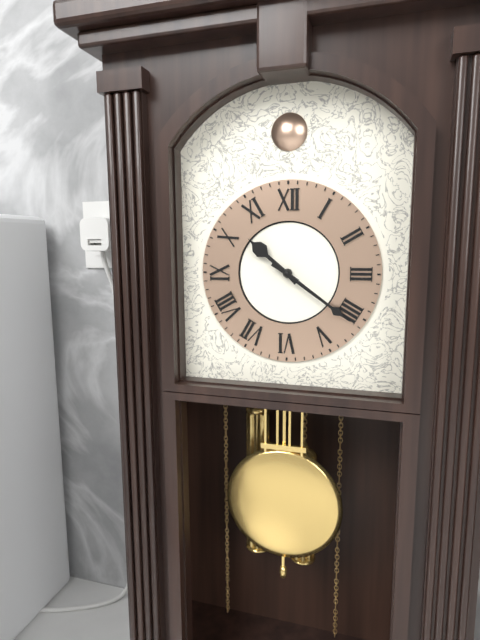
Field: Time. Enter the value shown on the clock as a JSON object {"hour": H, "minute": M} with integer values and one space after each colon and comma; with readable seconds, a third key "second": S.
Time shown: {"hour": 10, "minute": 21}
